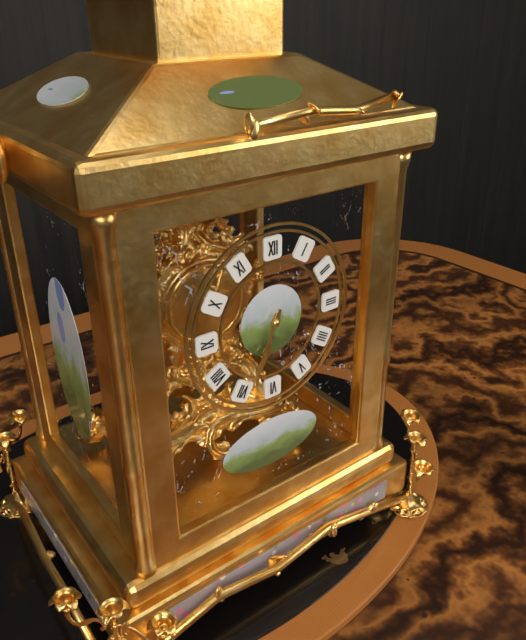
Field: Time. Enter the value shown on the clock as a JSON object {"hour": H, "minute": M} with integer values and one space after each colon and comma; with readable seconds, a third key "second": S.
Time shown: {"hour": 6, "minute": 34}
